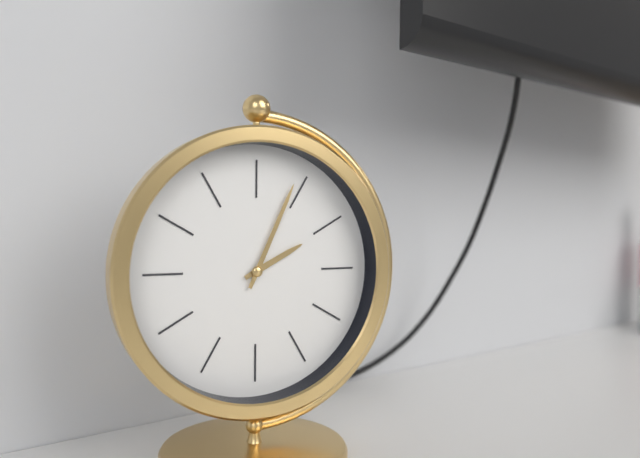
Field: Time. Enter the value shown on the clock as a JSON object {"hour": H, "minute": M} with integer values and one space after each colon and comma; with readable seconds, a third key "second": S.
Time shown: {"hour": 2, "minute": 4}
